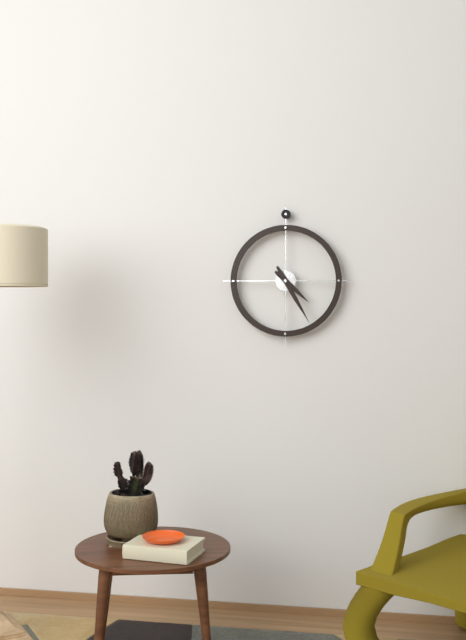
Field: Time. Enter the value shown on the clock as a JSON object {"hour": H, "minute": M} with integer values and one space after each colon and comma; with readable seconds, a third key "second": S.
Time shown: {"hour": 4, "minute": 25}
